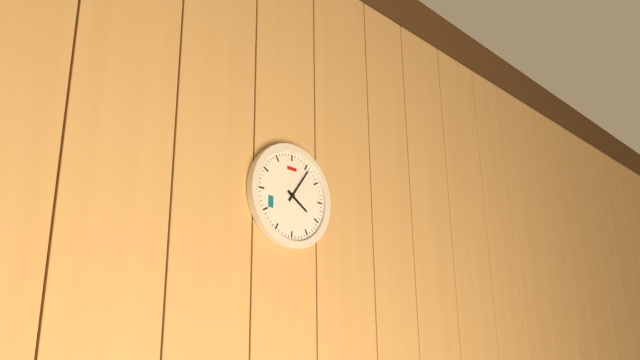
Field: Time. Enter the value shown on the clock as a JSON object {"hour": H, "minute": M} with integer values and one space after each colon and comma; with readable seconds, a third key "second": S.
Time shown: {"hour": 4, "minute": 6}
